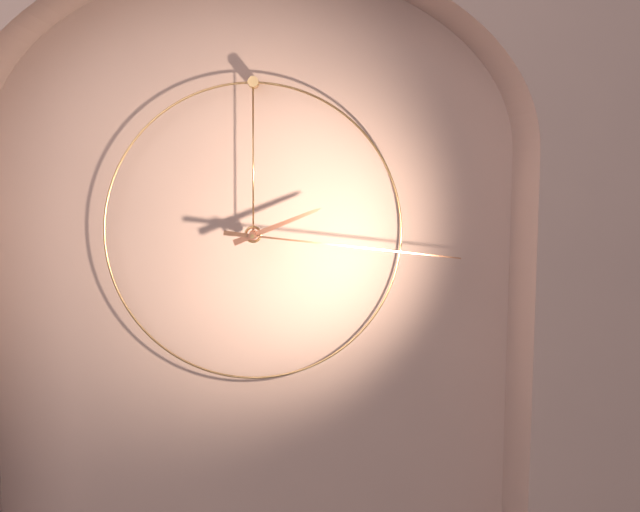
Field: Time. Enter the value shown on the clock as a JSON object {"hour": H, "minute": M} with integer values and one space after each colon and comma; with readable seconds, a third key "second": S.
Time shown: {"hour": 2, "minute": 16}
